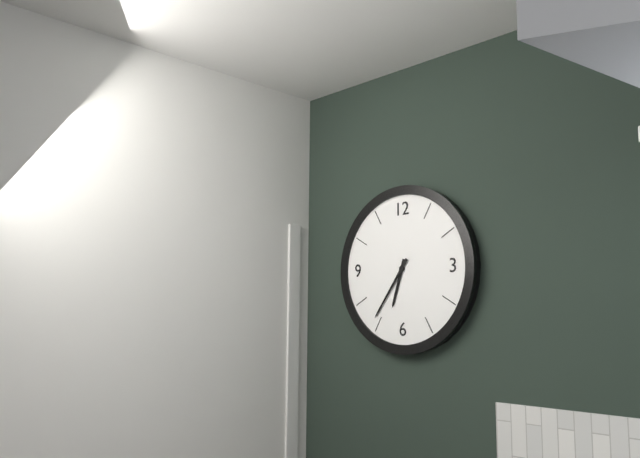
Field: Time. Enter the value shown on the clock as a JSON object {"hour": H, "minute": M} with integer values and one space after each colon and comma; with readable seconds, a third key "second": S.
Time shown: {"hour": 6, "minute": 36}
